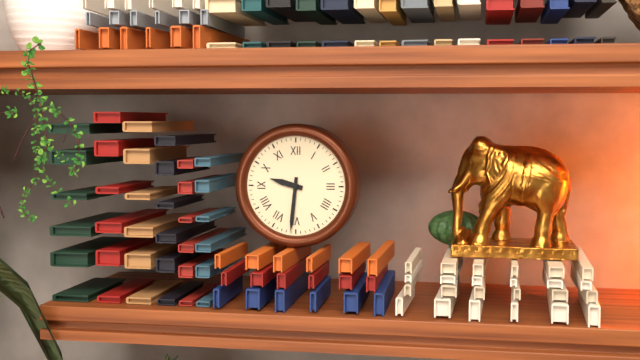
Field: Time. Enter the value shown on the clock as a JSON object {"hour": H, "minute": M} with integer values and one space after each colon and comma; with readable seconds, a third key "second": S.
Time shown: {"hour": 9, "minute": 31}
